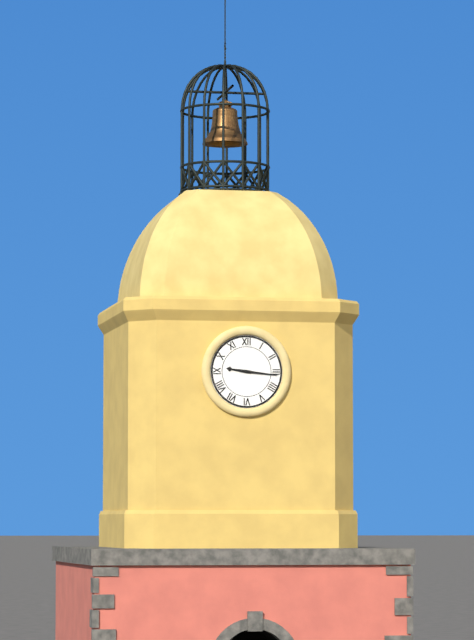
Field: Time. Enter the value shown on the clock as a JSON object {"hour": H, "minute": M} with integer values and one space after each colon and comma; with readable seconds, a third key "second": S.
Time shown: {"hour": 9, "minute": 16}
